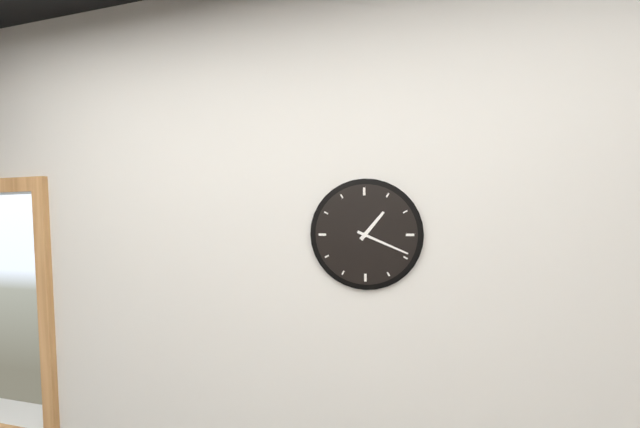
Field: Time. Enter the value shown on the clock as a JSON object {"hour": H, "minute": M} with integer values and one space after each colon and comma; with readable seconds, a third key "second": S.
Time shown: {"hour": 1, "minute": 19}
